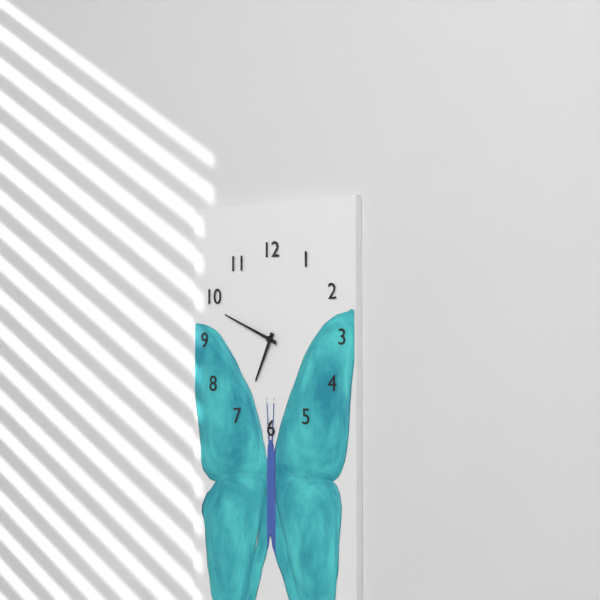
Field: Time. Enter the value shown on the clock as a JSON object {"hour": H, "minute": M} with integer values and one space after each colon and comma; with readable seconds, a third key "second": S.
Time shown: {"hour": 6, "minute": 49}
